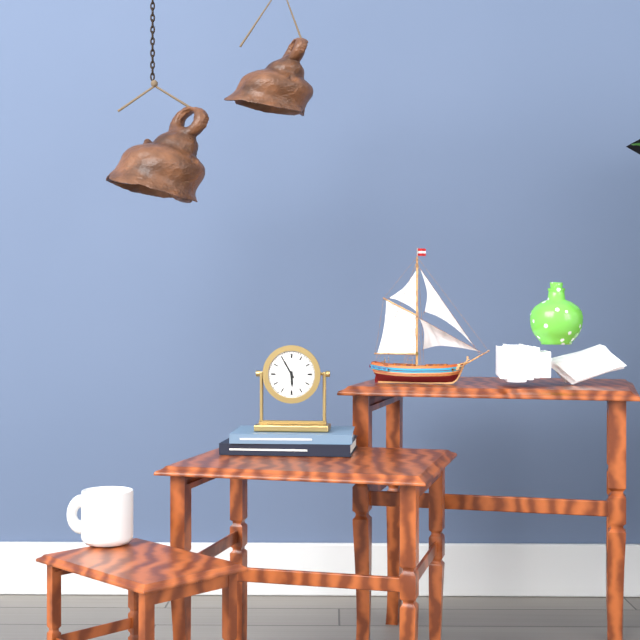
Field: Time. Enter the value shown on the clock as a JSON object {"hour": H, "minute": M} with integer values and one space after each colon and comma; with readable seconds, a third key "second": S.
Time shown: {"hour": 5, "minute": 55}
